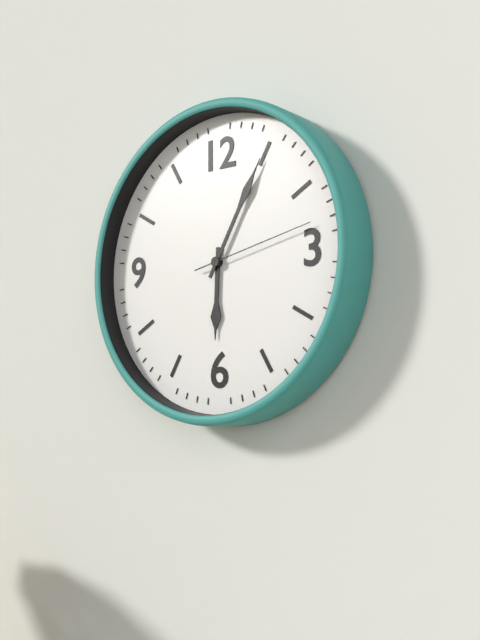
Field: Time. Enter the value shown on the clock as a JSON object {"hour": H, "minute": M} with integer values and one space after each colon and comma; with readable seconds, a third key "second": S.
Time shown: {"hour": 6, "minute": 5, "second": 13}
